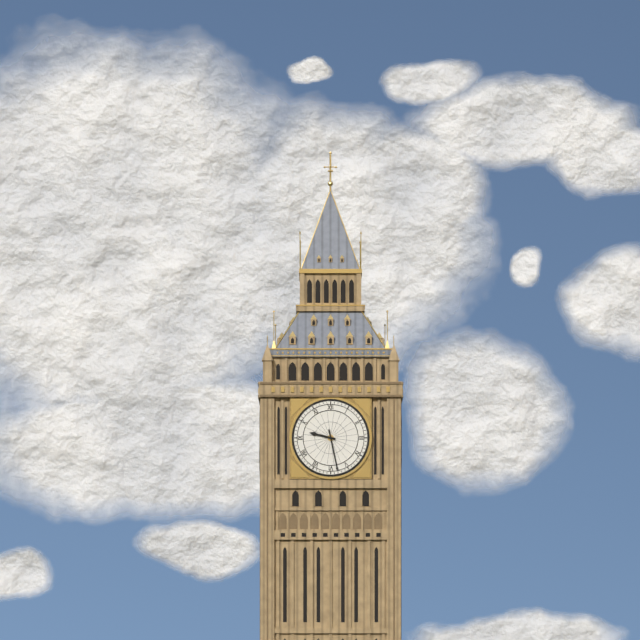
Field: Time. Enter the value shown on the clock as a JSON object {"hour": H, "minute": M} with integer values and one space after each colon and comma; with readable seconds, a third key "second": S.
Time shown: {"hour": 9, "minute": 28}
